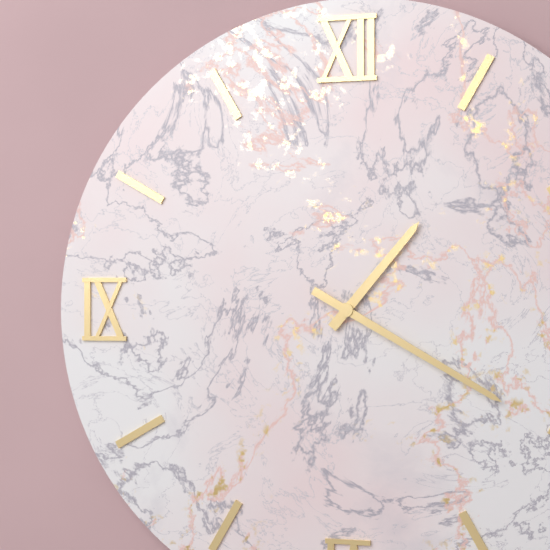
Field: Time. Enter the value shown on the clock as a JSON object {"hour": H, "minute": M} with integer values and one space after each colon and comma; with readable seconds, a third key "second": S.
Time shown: {"hour": 1, "minute": 20}
